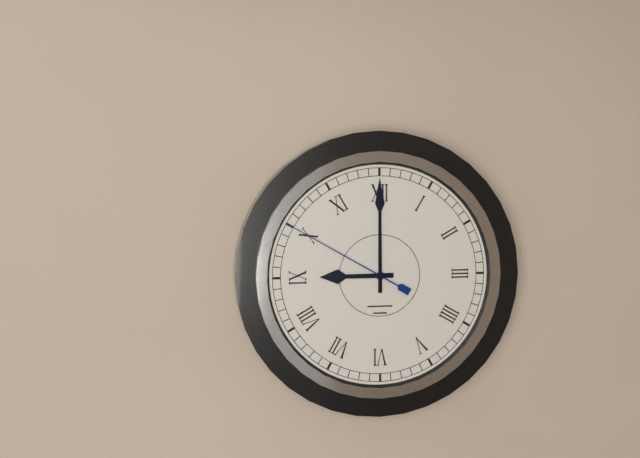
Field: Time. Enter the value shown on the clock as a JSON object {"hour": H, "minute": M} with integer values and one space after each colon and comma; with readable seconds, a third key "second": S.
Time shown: {"hour": 9, "minute": 0, "second": 50}
